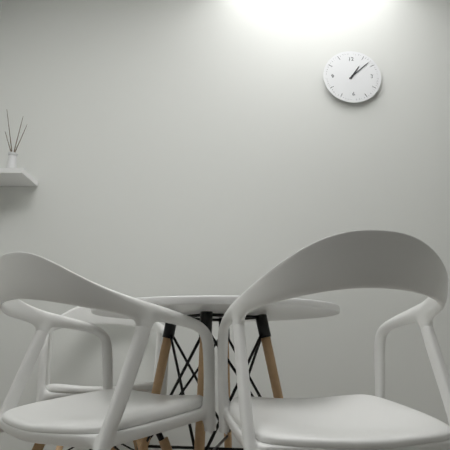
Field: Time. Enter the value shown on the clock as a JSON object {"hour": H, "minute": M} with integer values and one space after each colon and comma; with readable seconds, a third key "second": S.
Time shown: {"hour": 1, "minute": 8}
